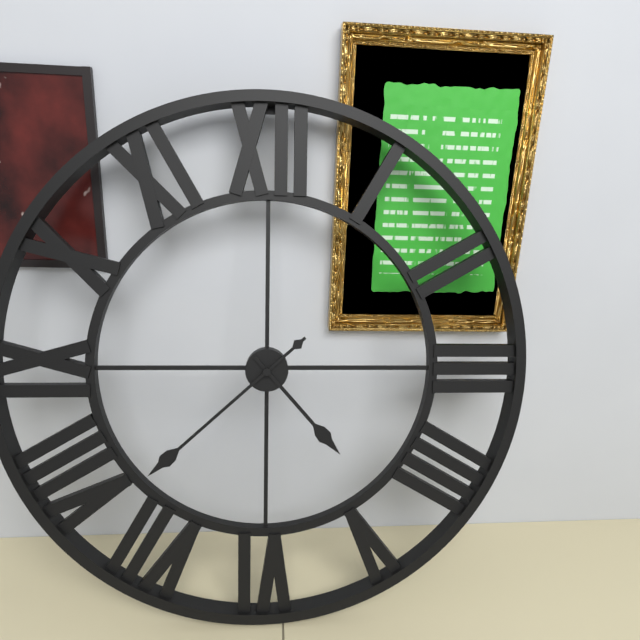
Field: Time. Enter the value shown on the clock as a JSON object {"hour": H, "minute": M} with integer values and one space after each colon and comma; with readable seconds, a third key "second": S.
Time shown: {"hour": 4, "minute": 38}
